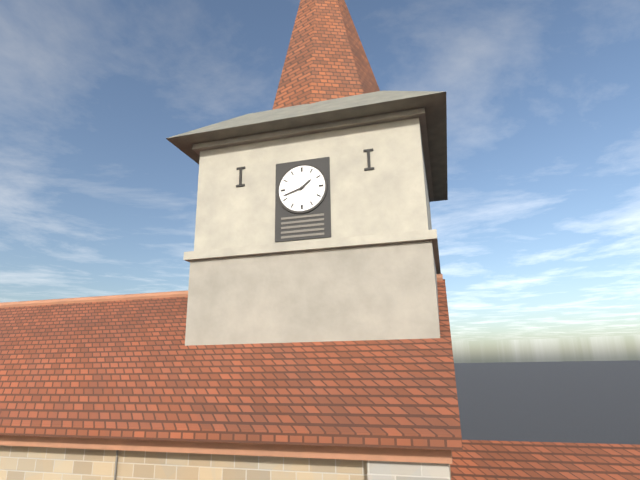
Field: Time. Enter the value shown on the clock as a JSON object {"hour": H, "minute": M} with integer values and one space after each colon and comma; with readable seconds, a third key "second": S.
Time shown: {"hour": 1, "minute": 42}
